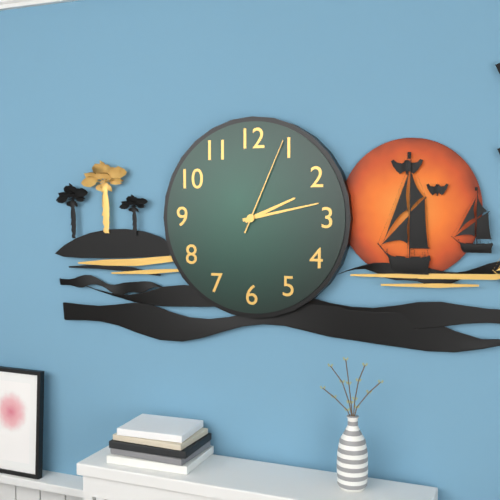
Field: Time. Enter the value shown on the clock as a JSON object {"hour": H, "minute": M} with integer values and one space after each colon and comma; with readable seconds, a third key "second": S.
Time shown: {"hour": 2, "minute": 13, "second": 4}
